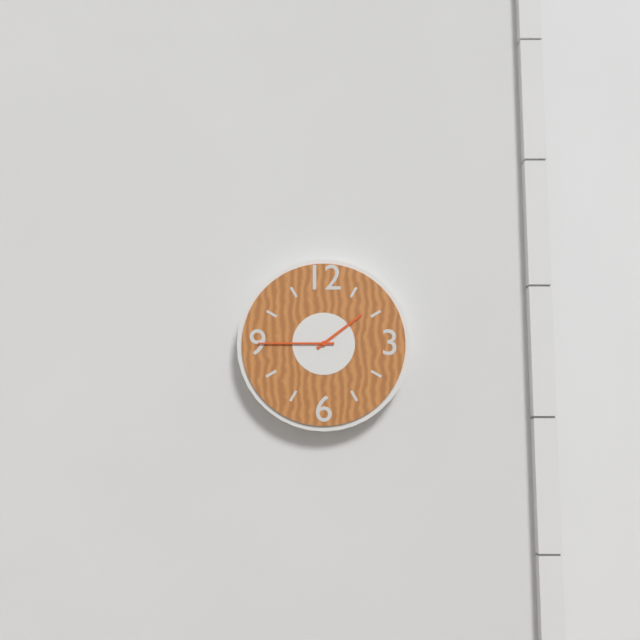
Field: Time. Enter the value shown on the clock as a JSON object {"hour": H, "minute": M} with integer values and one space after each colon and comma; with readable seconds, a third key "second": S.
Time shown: {"hour": 1, "minute": 45}
